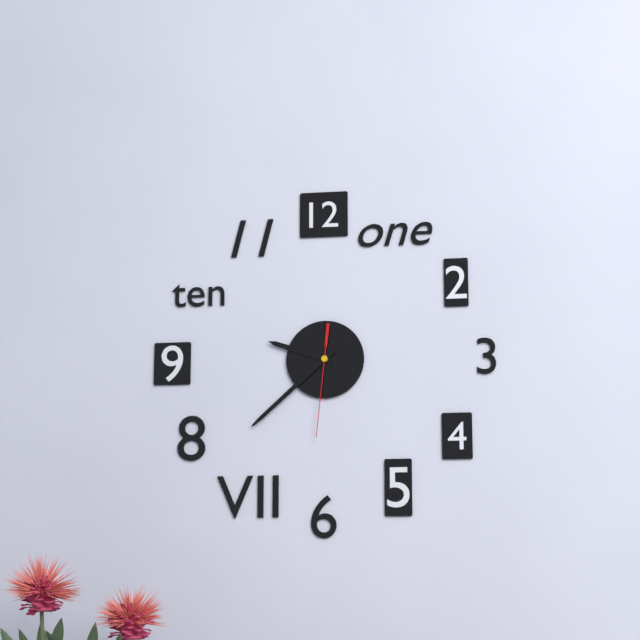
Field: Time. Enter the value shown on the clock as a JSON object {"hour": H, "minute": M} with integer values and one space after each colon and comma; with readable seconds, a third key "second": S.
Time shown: {"hour": 9, "minute": 38, "second": 31}
